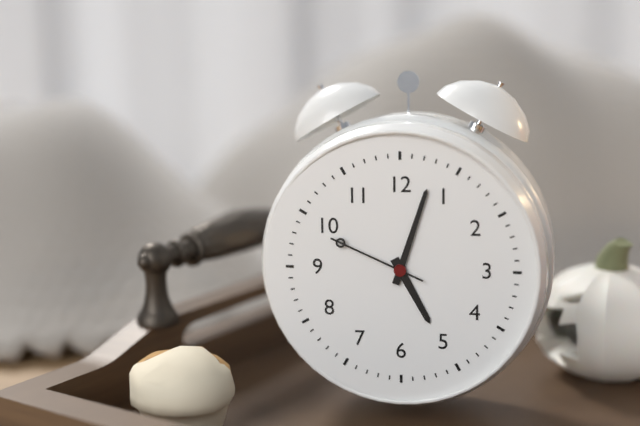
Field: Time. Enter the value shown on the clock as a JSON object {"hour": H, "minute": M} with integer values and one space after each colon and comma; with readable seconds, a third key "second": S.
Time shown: {"hour": 5, "minute": 3, "second": 49}
